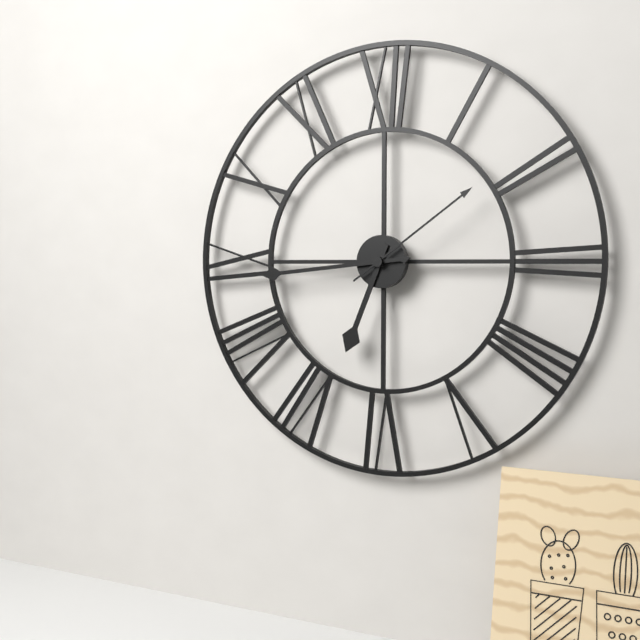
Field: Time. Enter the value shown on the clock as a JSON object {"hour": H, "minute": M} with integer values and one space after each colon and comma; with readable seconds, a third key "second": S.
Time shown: {"hour": 6, "minute": 44, "second": 9}
